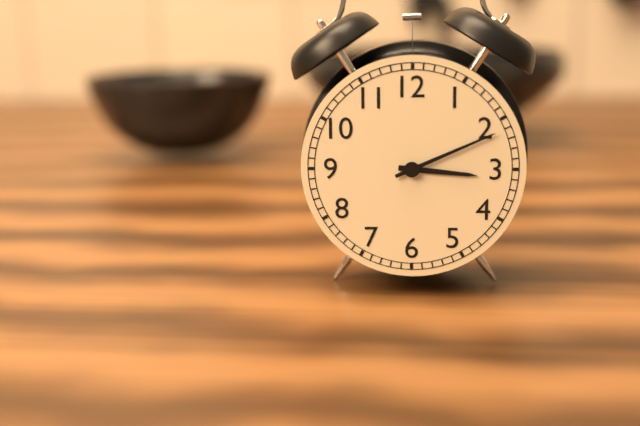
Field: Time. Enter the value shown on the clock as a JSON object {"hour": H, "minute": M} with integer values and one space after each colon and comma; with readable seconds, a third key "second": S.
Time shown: {"hour": 3, "minute": 11}
